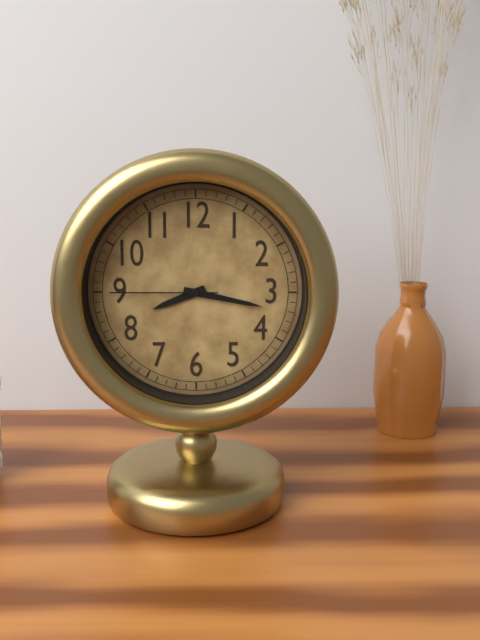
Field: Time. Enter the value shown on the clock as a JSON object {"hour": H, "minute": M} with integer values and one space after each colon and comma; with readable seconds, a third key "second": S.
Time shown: {"hour": 8, "minute": 17, "second": 45}
